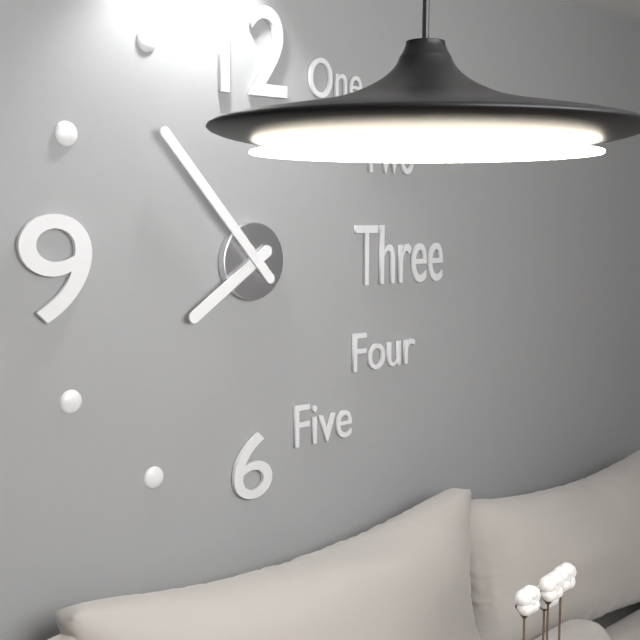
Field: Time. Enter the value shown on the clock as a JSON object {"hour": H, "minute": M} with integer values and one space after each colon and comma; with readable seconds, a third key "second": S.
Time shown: {"hour": 7, "minute": 53}
